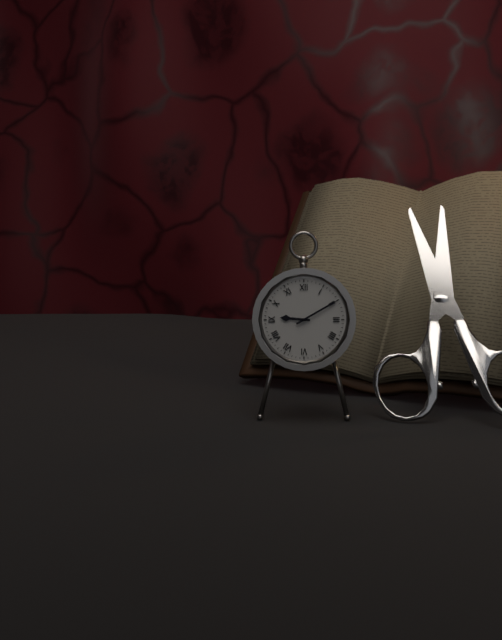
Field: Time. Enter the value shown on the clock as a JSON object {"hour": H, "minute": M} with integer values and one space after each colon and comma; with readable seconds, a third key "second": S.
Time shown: {"hour": 9, "minute": 10}
